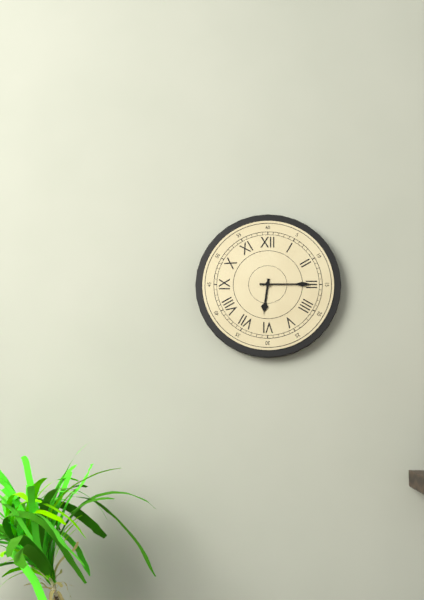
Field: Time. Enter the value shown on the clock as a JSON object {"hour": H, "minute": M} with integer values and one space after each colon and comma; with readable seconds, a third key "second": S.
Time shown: {"hour": 6, "minute": 15}
